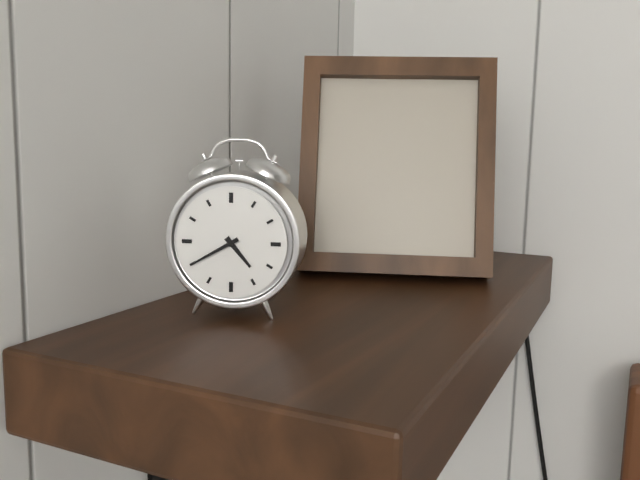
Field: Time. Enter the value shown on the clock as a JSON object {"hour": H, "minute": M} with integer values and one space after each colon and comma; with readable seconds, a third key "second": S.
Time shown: {"hour": 4, "minute": 40}
